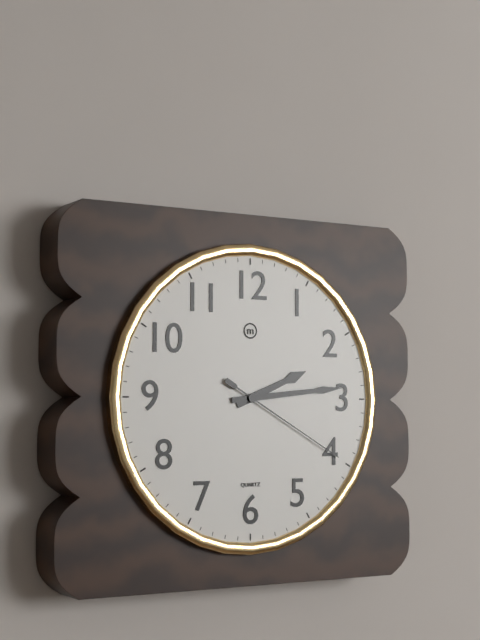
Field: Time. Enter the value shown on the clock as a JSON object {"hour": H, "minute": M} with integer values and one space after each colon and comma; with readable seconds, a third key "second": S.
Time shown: {"hour": 2, "minute": 14, "second": 20}
